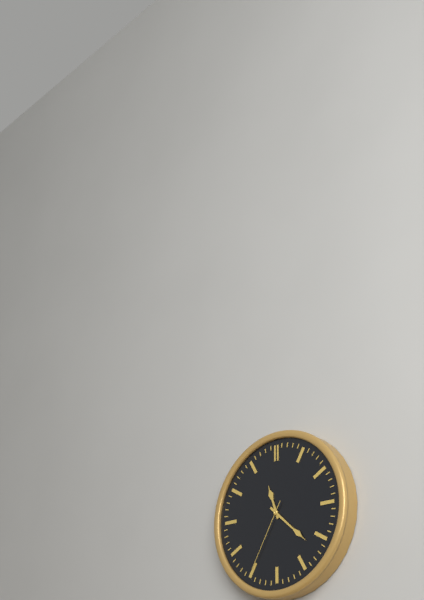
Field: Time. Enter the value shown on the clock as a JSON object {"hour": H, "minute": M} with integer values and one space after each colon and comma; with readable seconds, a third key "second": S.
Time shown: {"hour": 11, "minute": 22, "second": 35}
